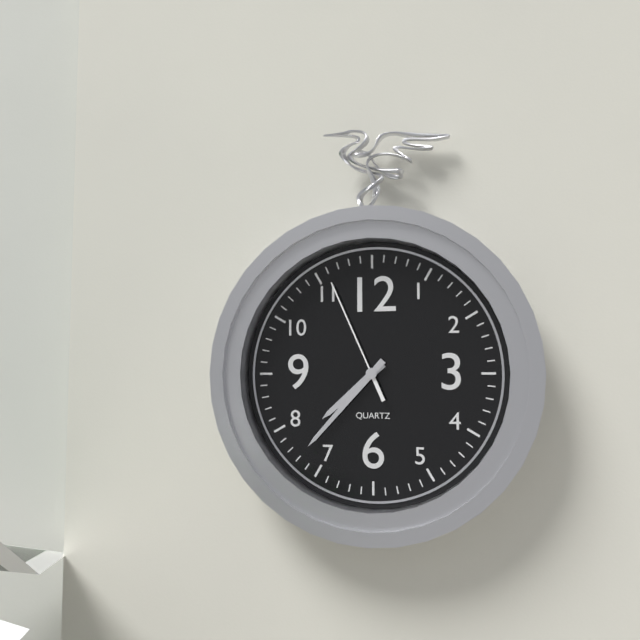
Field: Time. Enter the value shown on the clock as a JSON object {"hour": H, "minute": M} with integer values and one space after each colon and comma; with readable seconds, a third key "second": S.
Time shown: {"hour": 7, "minute": 37, "second": 56}
